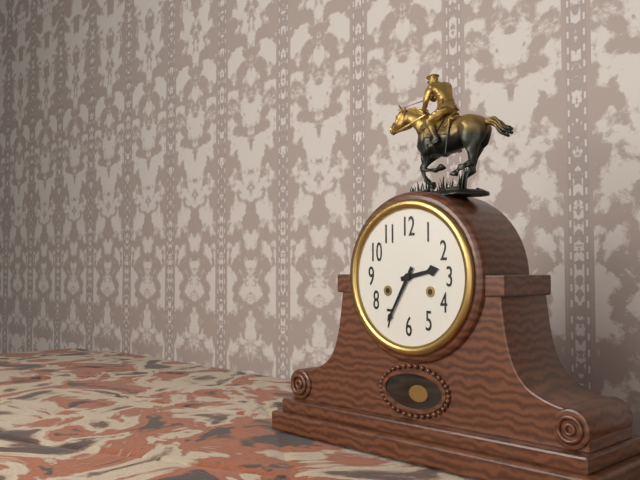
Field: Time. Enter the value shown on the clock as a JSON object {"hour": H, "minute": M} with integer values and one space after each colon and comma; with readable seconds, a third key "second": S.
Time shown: {"hour": 2, "minute": 35}
